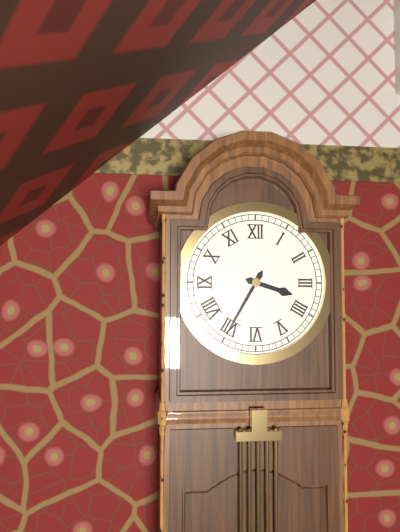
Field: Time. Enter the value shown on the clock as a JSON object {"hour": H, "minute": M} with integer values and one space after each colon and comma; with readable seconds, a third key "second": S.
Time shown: {"hour": 3, "minute": 35}
